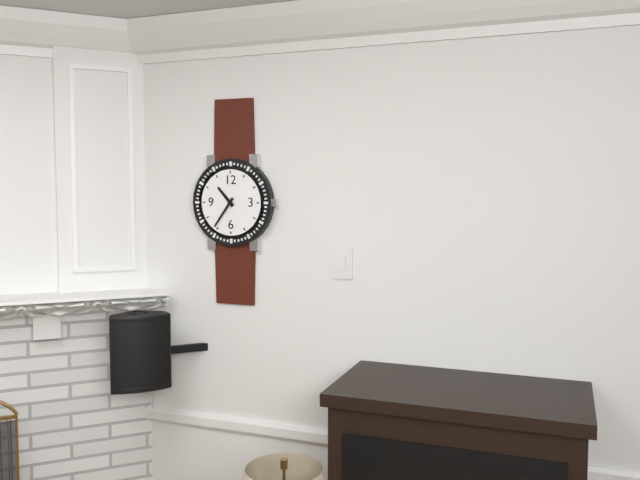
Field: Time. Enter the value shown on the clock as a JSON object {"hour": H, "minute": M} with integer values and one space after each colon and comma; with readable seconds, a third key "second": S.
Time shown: {"hour": 10, "minute": 36}
